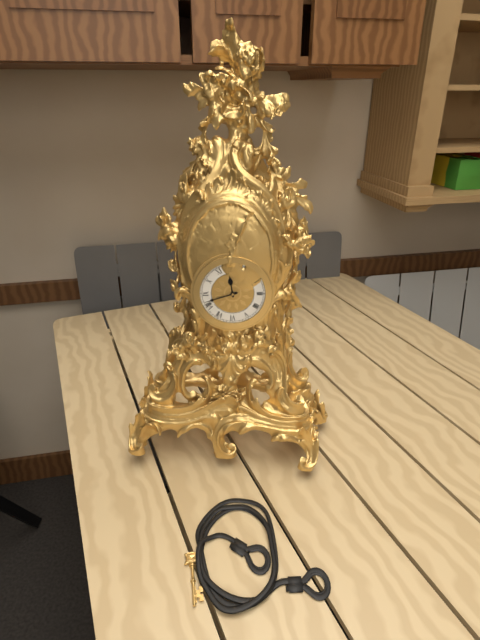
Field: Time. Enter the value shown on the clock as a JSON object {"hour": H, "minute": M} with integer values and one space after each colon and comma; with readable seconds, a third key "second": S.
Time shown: {"hour": 11, "minute": 42}
